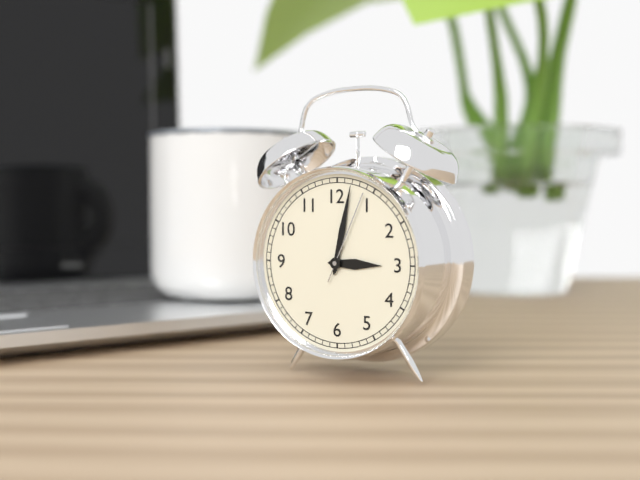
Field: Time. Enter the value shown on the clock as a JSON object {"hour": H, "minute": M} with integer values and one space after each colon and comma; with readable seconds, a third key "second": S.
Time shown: {"hour": 3, "minute": 2, "second": 4}
